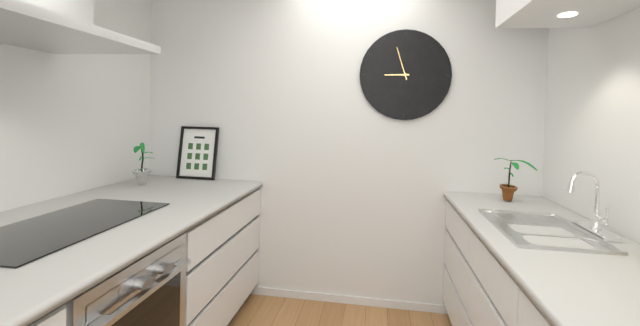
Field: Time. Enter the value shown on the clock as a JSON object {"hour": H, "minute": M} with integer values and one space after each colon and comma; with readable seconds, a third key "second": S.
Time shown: {"hour": 8, "minute": 57}
